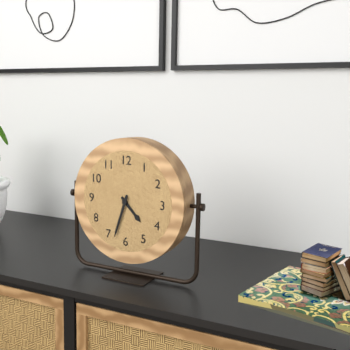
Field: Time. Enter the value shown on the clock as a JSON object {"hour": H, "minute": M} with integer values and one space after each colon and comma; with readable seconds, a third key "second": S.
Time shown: {"hour": 4, "minute": 33}
